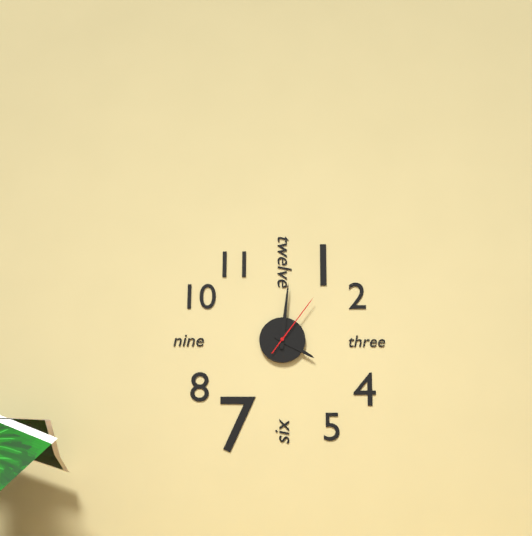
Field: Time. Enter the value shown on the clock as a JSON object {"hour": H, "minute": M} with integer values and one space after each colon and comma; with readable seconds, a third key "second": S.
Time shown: {"hour": 4, "minute": 1, "second": 6}
